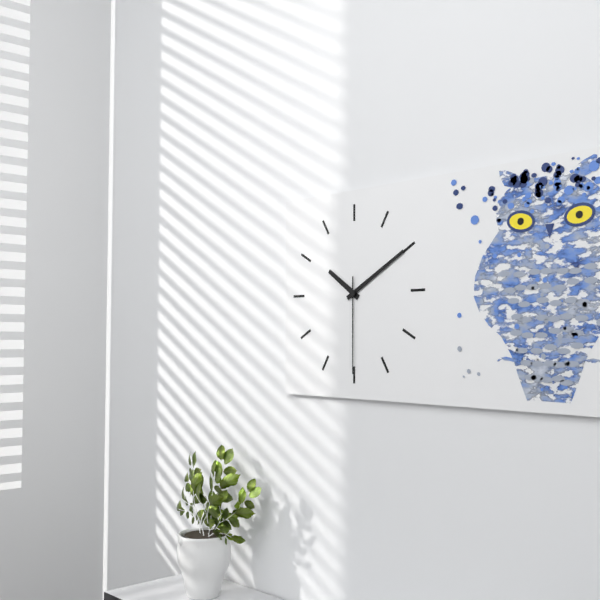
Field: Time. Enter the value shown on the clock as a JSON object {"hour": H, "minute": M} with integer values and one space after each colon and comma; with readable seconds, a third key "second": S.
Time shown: {"hour": 10, "minute": 10, "second": 30}
